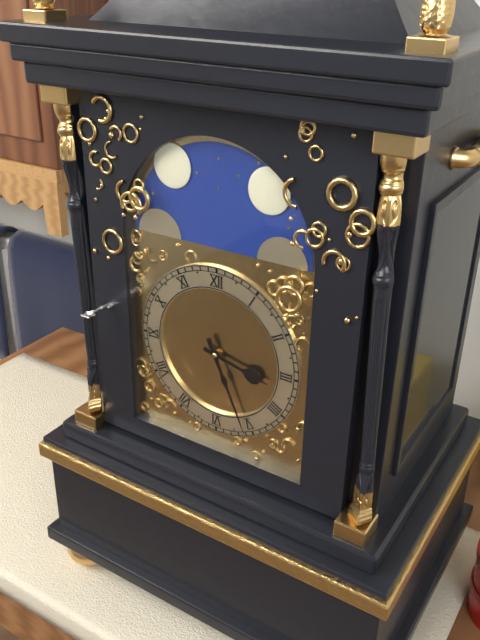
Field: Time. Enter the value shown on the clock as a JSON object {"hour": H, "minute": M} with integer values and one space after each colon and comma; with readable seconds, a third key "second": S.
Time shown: {"hour": 3, "minute": 26}
